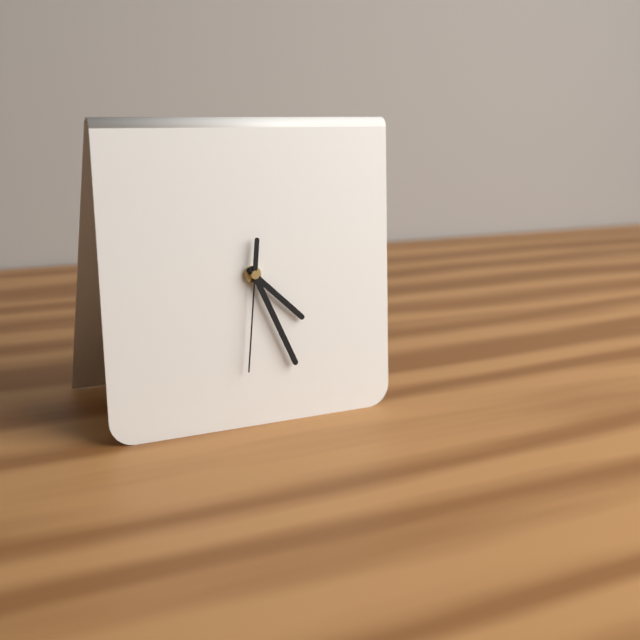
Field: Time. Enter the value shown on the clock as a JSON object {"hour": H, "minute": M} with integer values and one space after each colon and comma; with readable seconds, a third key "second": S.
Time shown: {"hour": 4, "minute": 26, "second": 31}
